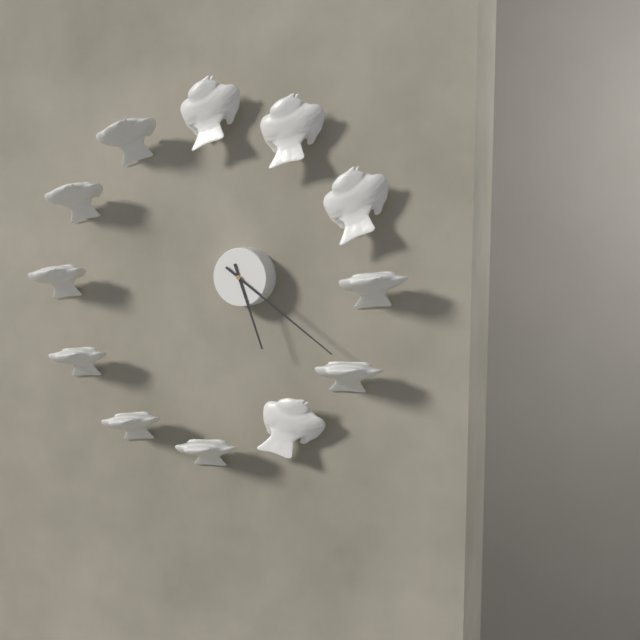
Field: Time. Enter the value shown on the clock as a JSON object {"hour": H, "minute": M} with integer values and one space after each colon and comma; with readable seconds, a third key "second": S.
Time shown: {"hour": 5, "minute": 21}
